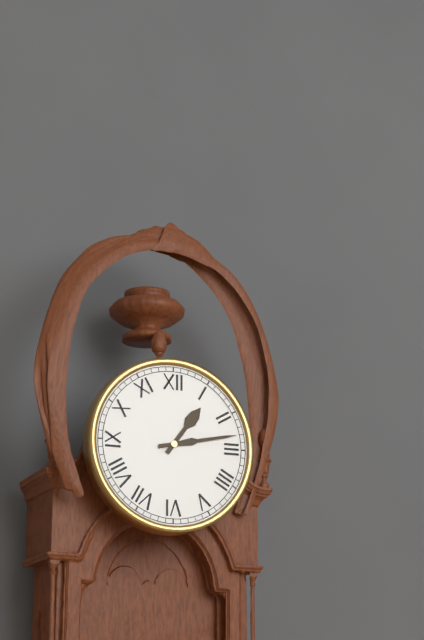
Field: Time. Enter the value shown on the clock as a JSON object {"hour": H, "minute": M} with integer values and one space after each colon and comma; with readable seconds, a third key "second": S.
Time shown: {"hour": 1, "minute": 13}
